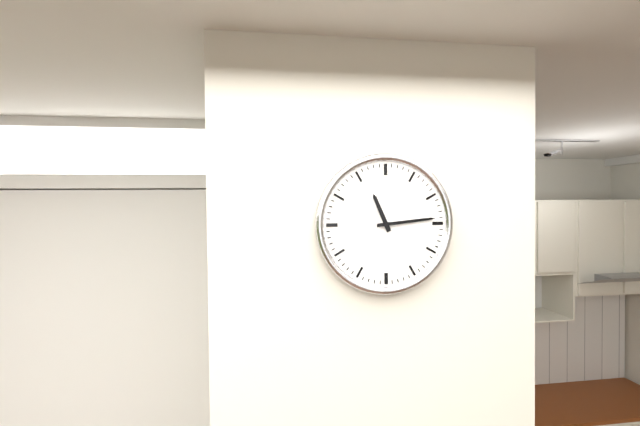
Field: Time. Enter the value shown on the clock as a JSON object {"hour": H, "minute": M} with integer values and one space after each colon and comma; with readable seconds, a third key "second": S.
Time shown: {"hour": 11, "minute": 14}
